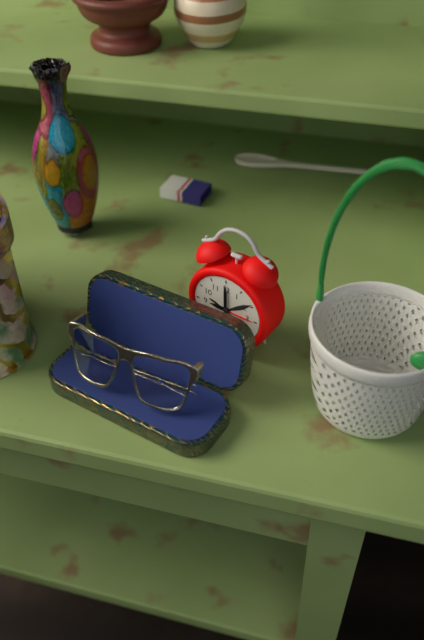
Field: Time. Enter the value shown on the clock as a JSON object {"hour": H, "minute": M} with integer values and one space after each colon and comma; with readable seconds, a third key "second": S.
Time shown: {"hour": 9, "minute": 0}
